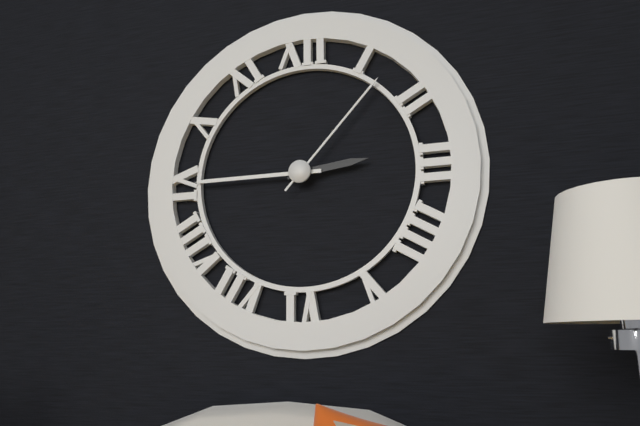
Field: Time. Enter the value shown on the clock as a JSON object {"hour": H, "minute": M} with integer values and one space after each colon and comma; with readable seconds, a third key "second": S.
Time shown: {"hour": 2, "minute": 45, "second": 7}
